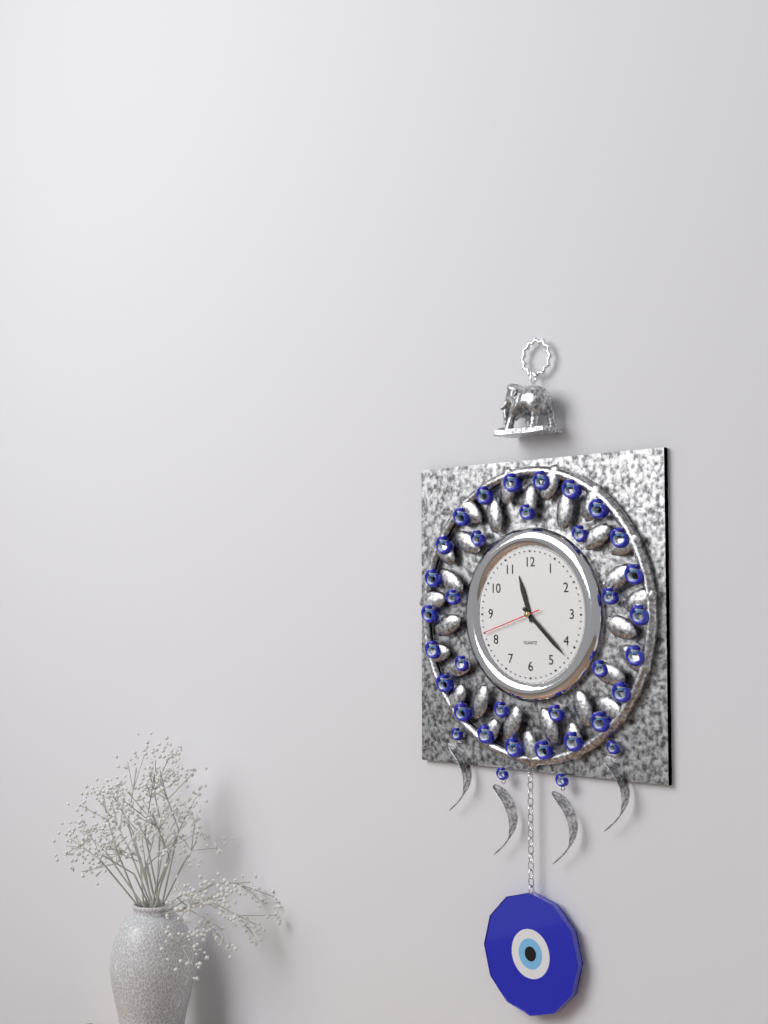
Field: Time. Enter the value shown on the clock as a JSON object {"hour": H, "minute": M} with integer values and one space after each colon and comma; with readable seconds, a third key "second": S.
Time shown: {"hour": 11, "minute": 22, "second": 42}
